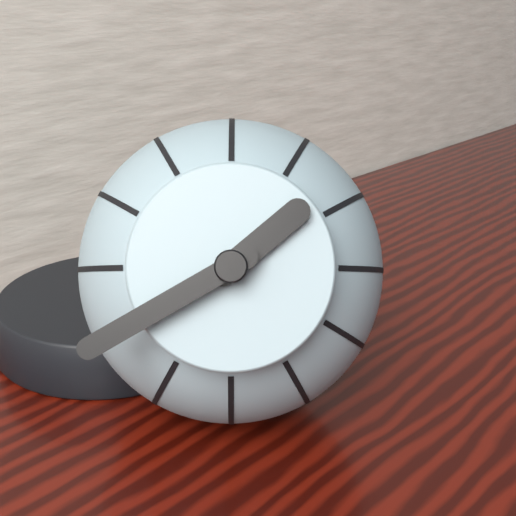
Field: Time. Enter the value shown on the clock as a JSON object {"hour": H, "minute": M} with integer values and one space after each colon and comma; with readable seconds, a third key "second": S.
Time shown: {"hour": 1, "minute": 40}
